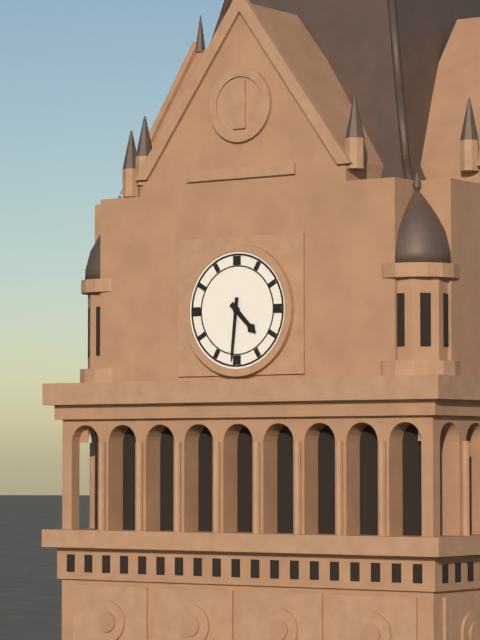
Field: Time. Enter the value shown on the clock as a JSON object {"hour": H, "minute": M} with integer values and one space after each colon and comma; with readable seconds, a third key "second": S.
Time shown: {"hour": 4, "minute": 31}
